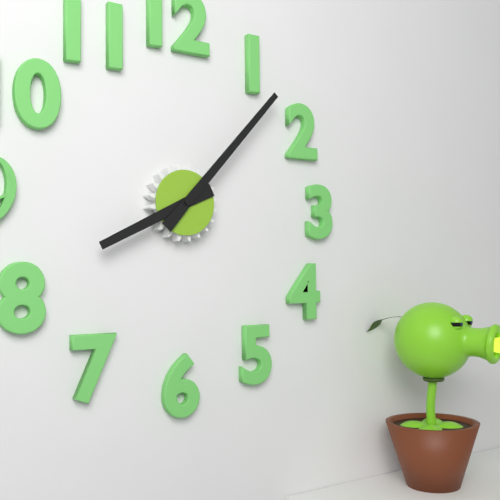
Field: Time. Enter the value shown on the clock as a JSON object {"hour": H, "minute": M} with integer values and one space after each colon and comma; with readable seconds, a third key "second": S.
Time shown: {"hour": 8, "minute": 7}
